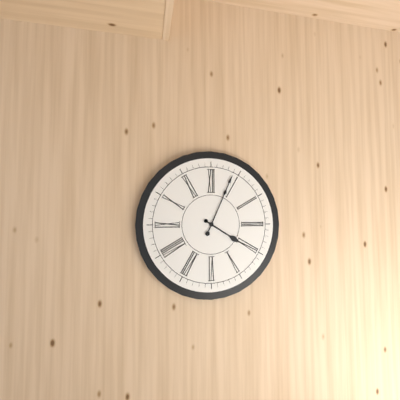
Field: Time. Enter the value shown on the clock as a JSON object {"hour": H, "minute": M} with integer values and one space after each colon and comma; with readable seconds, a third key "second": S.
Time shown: {"hour": 4, "minute": 4}
